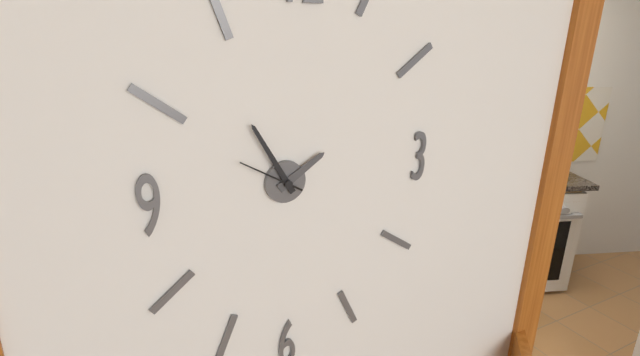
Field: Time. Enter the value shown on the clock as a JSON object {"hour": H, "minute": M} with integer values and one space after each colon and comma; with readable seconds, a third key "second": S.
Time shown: {"hour": 1, "minute": 55, "second": 50}
